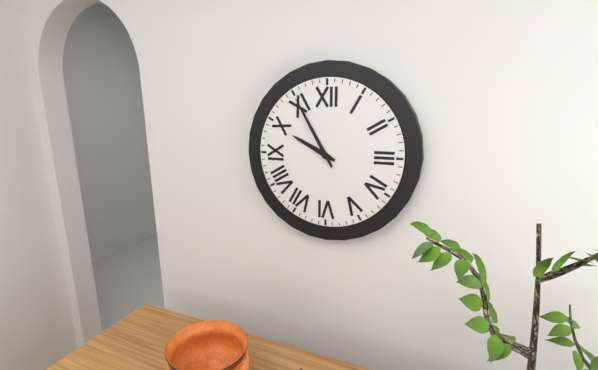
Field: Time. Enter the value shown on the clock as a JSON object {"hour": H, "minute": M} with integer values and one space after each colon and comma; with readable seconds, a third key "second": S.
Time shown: {"hour": 9, "minute": 55}
